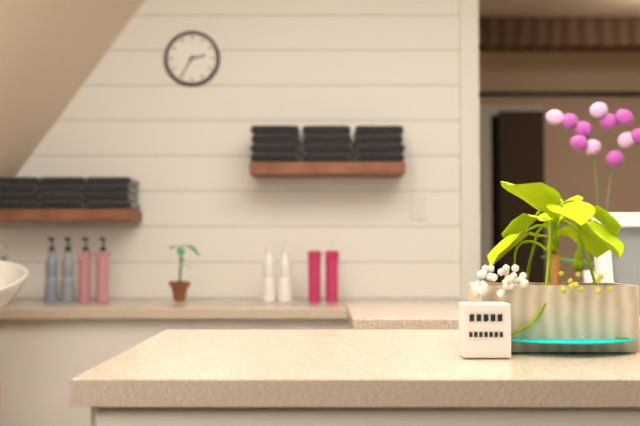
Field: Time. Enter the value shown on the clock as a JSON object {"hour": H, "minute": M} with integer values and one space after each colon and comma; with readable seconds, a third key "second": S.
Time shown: {"hour": 2, "minute": 35}
